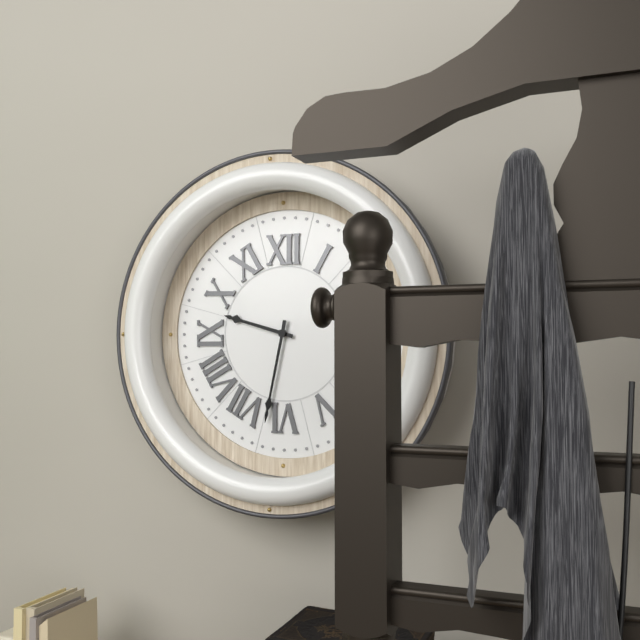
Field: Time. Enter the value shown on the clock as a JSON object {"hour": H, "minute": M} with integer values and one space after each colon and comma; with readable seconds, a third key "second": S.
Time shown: {"hour": 9, "minute": 32}
